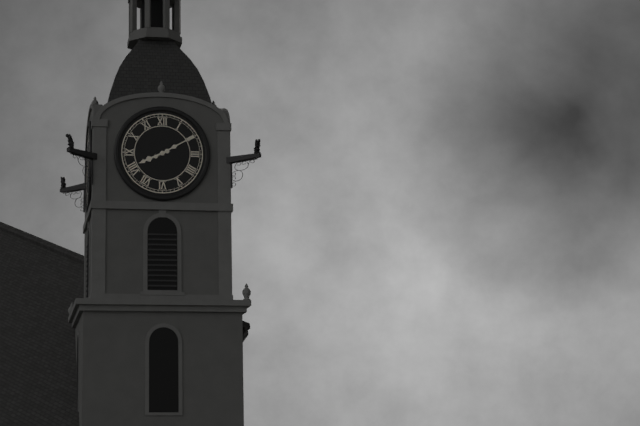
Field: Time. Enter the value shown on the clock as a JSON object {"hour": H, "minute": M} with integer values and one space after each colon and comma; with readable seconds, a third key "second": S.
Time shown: {"hour": 8, "minute": 10}
